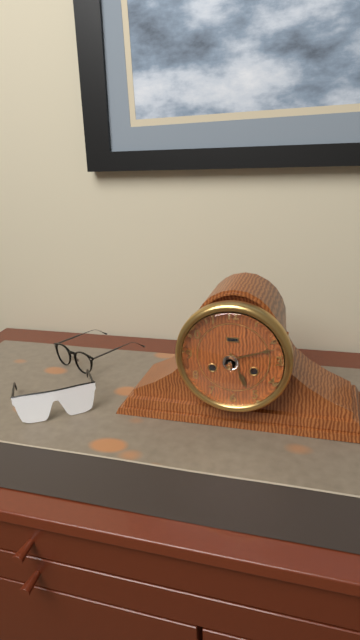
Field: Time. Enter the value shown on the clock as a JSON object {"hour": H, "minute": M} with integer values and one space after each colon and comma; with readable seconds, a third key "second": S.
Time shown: {"hour": 5, "minute": 12}
